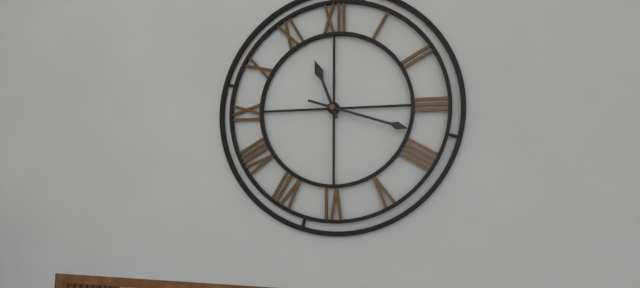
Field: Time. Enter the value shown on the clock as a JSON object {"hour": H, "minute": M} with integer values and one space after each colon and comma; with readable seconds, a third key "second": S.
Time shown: {"hour": 11, "minute": 18}
